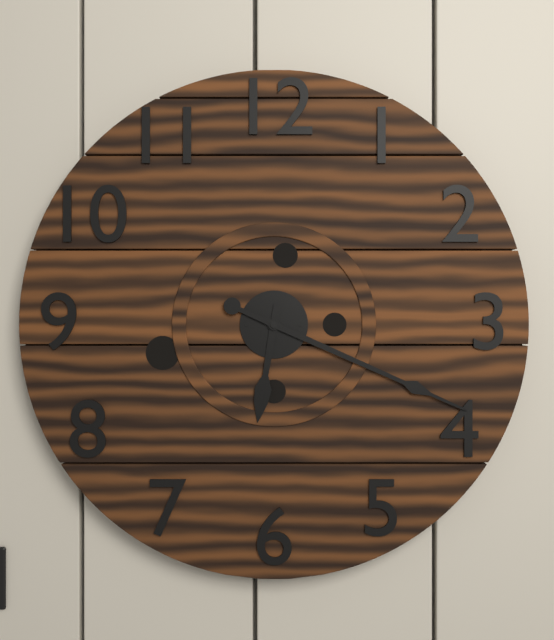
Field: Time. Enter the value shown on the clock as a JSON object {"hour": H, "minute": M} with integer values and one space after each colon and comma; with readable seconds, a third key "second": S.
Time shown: {"hour": 6, "minute": 19}
